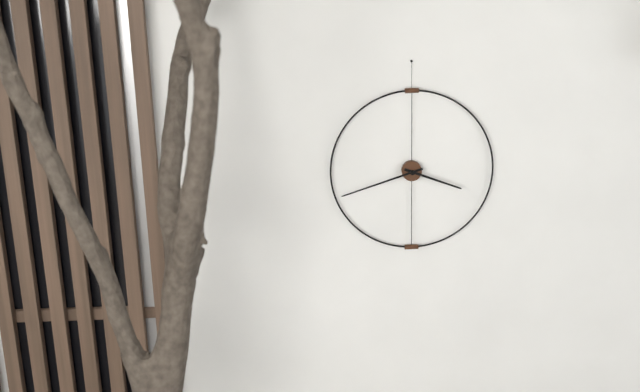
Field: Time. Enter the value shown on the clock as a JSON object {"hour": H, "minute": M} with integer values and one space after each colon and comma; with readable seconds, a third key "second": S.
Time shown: {"hour": 3, "minute": 42}
